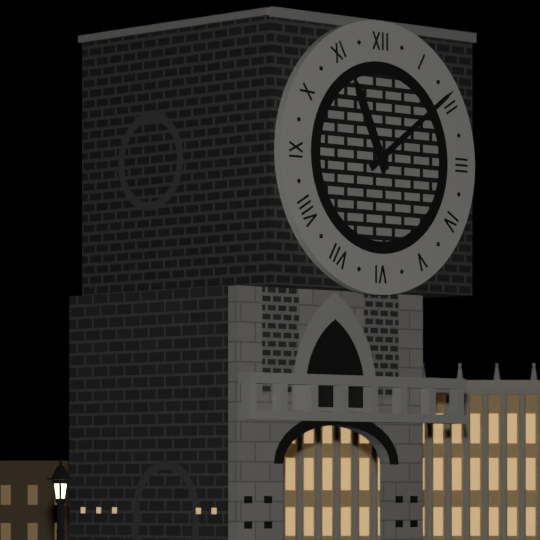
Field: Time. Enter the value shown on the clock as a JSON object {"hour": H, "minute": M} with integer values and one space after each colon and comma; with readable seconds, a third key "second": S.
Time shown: {"hour": 11, "minute": 9}
